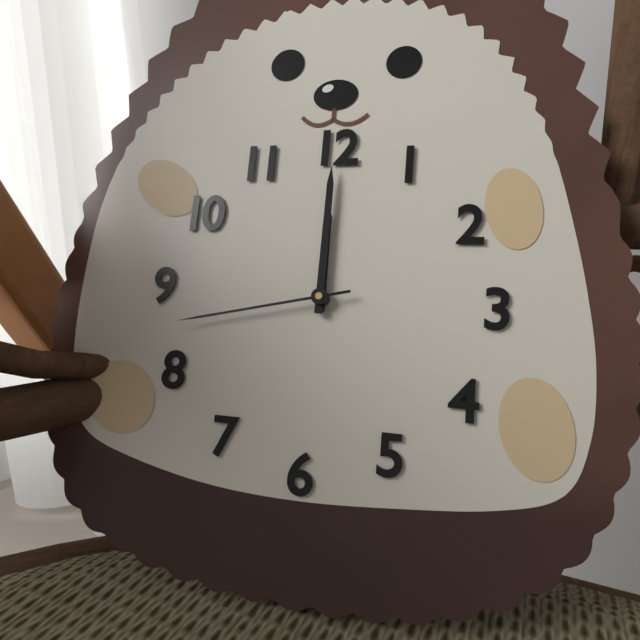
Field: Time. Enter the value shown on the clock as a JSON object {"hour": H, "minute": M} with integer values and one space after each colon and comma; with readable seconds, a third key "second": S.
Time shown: {"hour": 12, "minute": 0, "second": 43}
